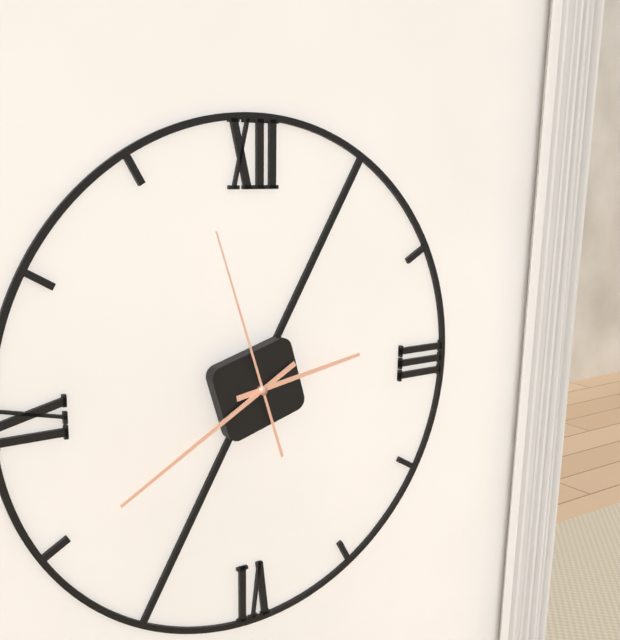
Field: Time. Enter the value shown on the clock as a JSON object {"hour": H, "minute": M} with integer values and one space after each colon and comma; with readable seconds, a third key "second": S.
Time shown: {"hour": 2, "minute": 40, "second": 57}
